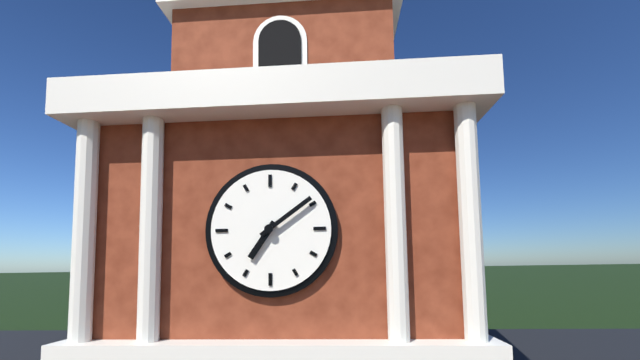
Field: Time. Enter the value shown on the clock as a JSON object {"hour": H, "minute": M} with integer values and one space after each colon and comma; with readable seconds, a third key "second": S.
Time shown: {"hour": 7, "minute": 9}
